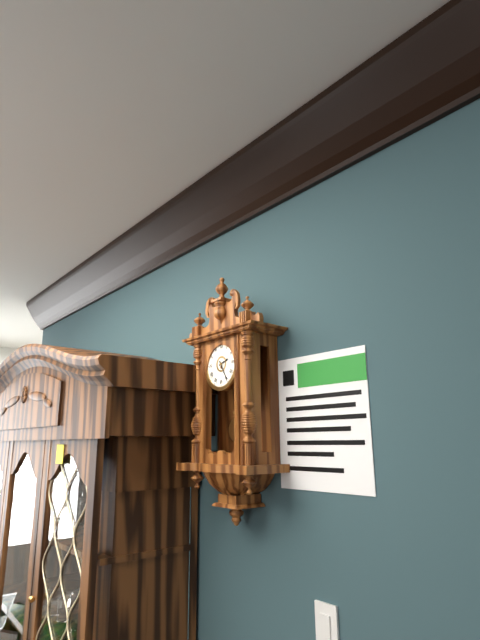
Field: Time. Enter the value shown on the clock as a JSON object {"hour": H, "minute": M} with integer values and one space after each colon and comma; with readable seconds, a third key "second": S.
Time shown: {"hour": 2, "minute": 25}
